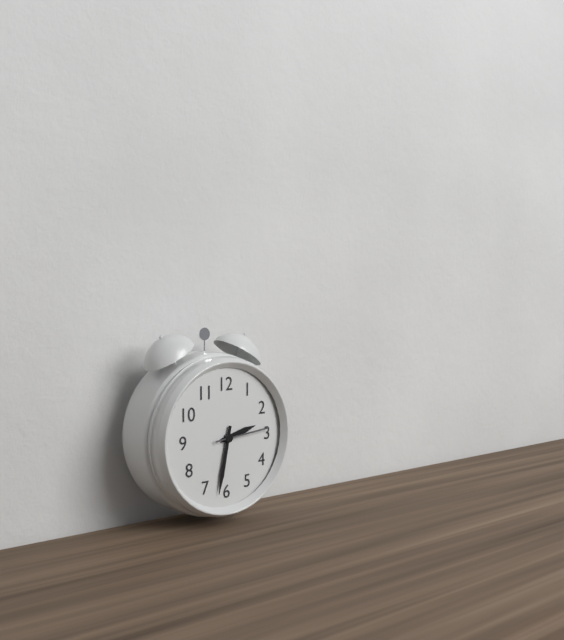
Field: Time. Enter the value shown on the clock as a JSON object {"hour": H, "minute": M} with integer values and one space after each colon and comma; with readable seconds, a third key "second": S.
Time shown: {"hour": 2, "minute": 32, "second": 14}
